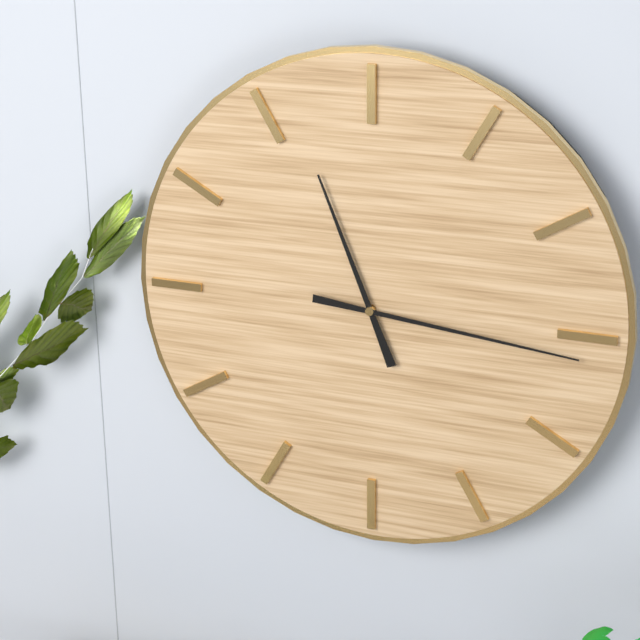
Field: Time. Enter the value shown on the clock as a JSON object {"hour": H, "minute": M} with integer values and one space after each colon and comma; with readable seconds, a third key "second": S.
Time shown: {"hour": 11, "minute": 16}
